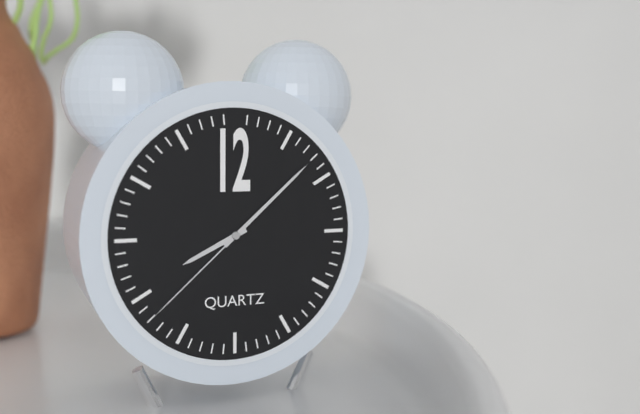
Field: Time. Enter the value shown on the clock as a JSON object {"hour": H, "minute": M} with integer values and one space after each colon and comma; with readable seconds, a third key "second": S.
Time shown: {"hour": 8, "minute": 8, "second": 38}
